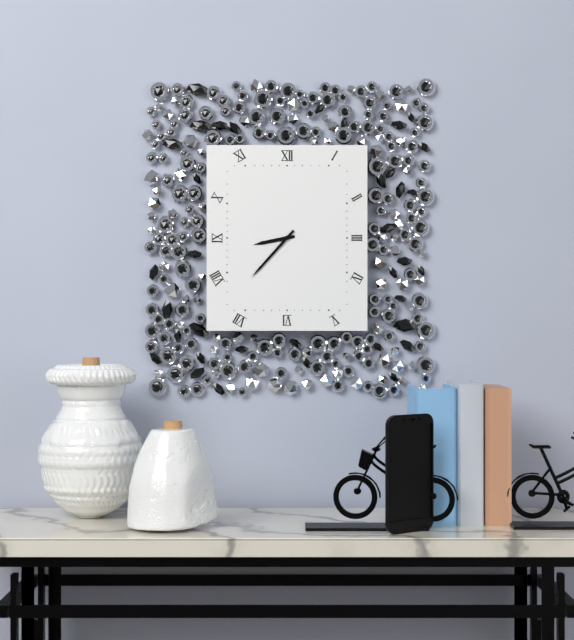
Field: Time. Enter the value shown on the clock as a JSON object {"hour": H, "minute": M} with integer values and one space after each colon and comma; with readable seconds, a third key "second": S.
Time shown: {"hour": 8, "minute": 37}
